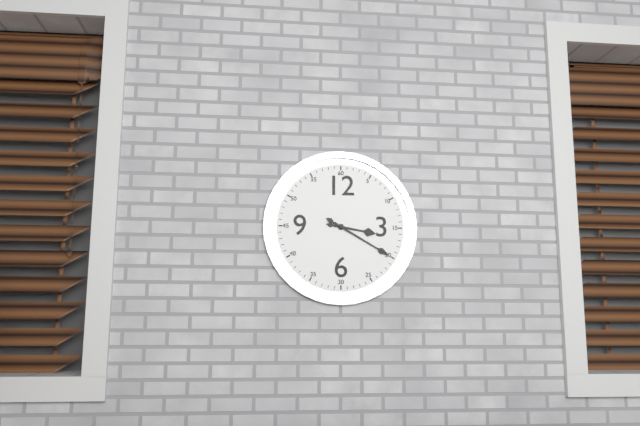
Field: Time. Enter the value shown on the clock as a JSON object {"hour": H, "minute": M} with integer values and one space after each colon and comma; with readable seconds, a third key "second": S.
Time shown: {"hour": 3, "minute": 20}
